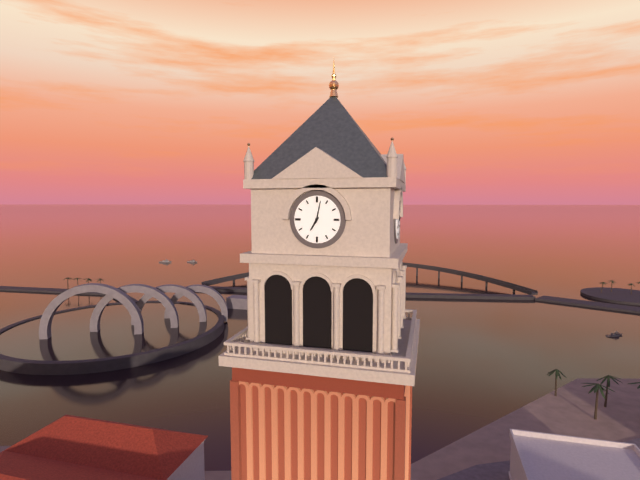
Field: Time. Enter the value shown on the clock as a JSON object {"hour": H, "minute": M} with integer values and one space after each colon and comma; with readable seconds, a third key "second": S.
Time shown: {"hour": 7, "minute": 2}
